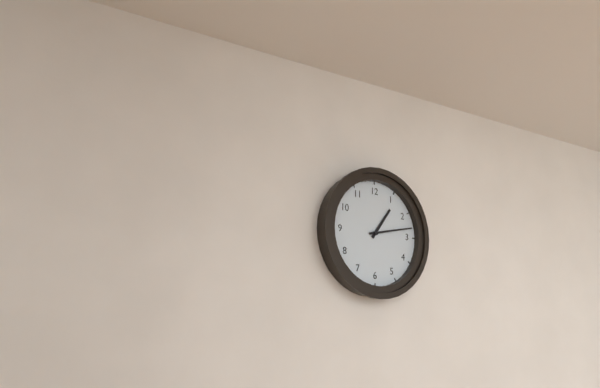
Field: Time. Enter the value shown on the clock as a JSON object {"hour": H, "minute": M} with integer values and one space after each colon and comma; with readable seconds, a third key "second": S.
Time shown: {"hour": 1, "minute": 13}
